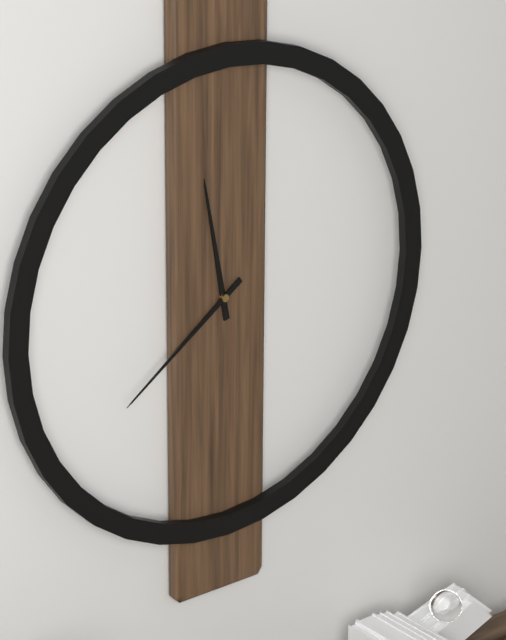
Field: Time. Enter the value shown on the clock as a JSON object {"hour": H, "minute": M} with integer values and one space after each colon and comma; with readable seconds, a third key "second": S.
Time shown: {"hour": 11, "minute": 39}
